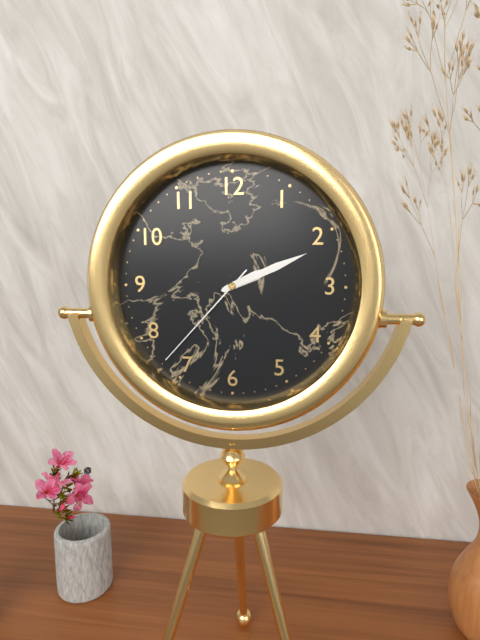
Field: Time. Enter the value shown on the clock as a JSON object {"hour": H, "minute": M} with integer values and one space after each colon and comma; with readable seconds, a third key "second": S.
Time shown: {"hour": 2, "minute": 11, "second": 37}
